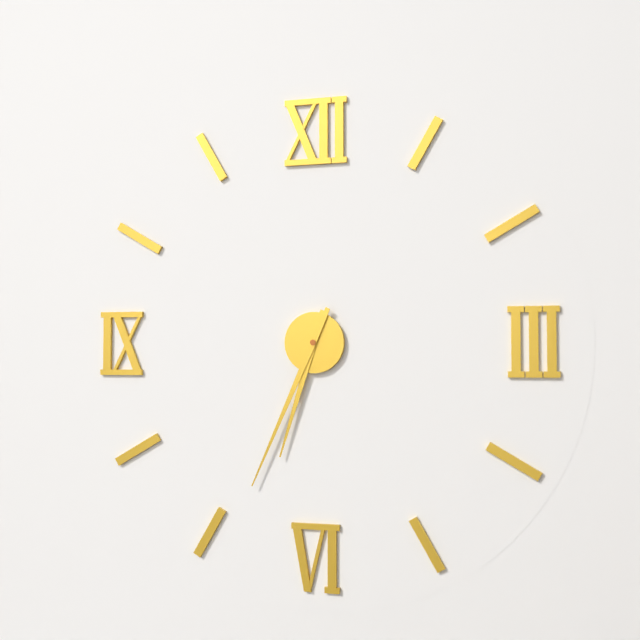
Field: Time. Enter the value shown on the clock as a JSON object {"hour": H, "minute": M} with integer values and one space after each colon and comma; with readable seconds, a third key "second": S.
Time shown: {"hour": 6, "minute": 34}
